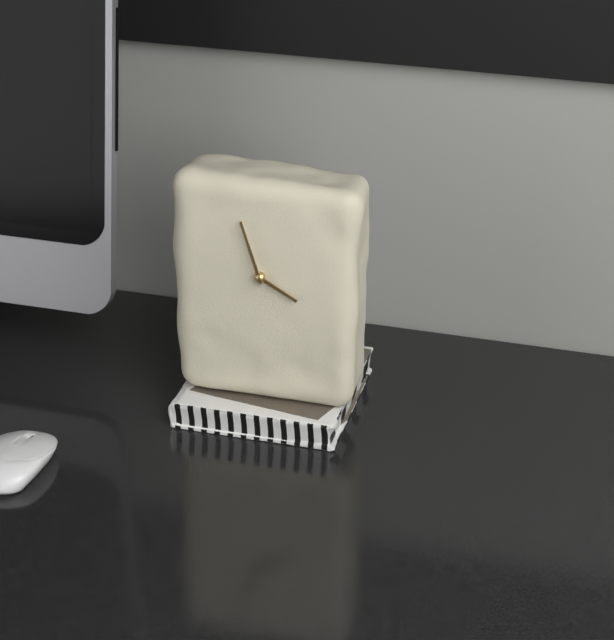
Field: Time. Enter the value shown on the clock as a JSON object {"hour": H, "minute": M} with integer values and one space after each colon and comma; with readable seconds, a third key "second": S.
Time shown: {"hour": 3, "minute": 57}
